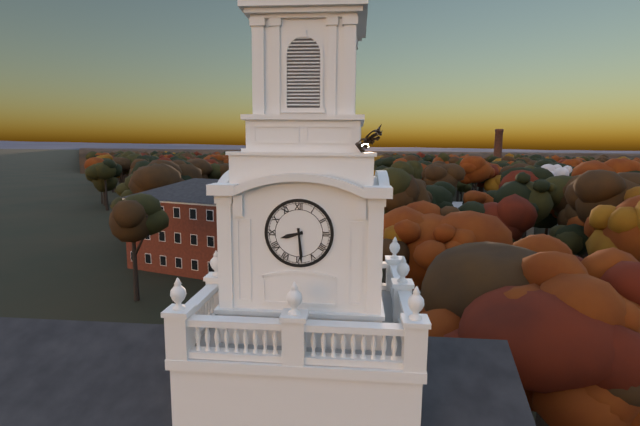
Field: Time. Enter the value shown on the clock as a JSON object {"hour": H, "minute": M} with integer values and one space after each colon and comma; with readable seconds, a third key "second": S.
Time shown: {"hour": 8, "minute": 29}
